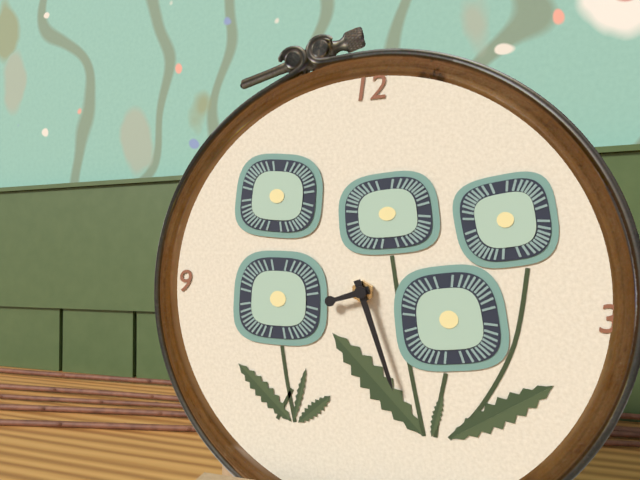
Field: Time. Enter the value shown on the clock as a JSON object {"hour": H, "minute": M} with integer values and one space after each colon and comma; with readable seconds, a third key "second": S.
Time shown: {"hour": 8, "minute": 27}
